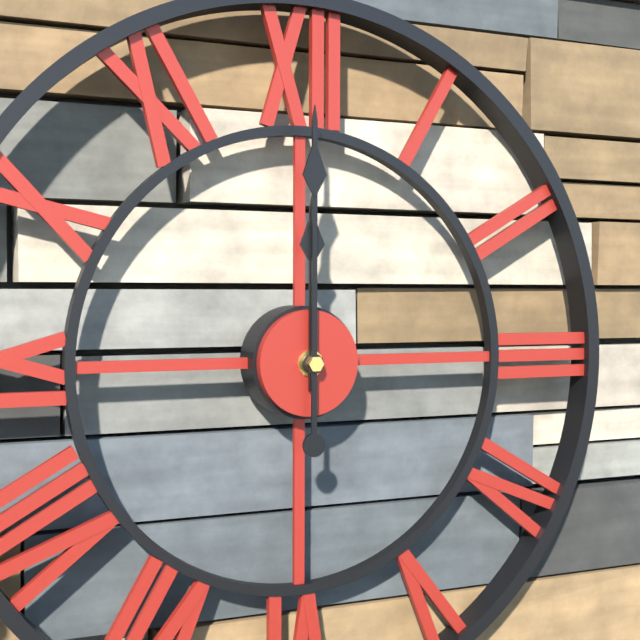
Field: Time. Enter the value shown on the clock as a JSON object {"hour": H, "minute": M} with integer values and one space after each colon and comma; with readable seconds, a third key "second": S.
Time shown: {"hour": 12, "minute": 0}
